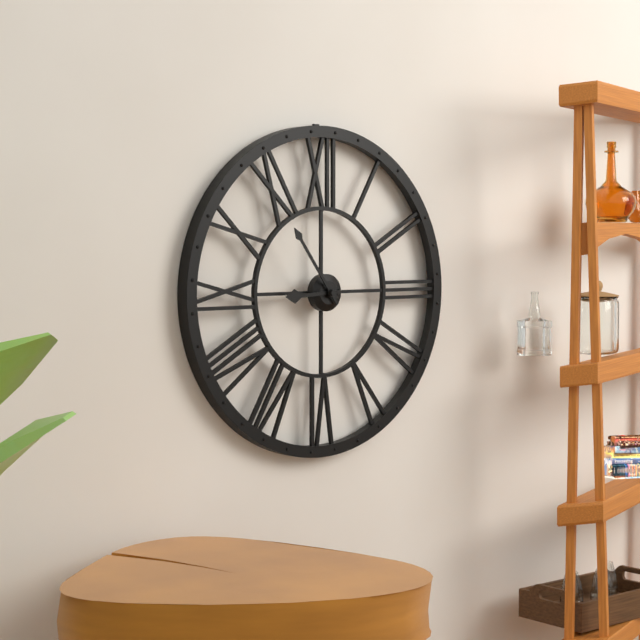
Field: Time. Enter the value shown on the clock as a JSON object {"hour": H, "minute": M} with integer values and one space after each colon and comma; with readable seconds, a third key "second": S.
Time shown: {"hour": 8, "minute": 54}
